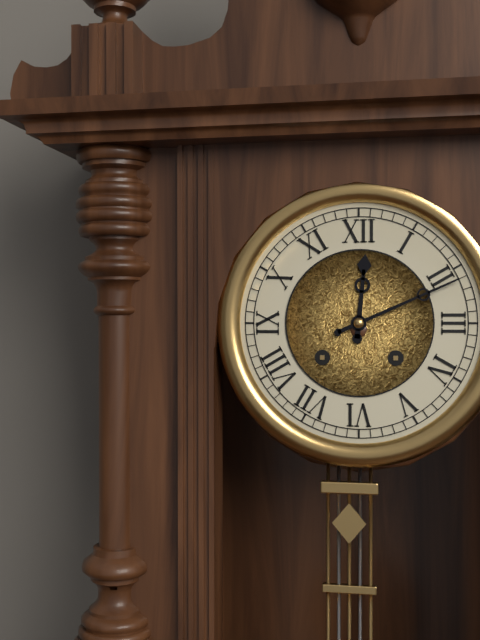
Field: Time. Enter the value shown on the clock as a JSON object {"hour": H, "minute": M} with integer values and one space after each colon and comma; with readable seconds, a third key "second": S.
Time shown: {"hour": 12, "minute": 11}
